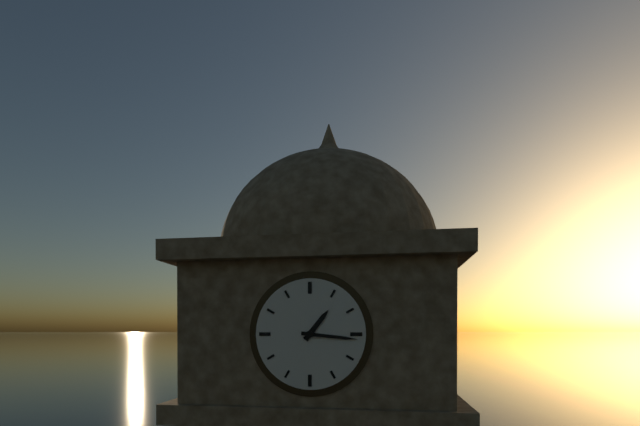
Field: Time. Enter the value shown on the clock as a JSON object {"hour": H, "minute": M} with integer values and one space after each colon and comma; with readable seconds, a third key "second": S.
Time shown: {"hour": 1, "minute": 16}
